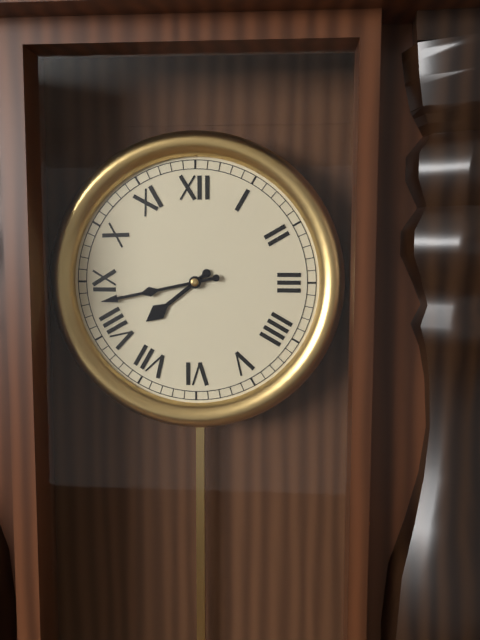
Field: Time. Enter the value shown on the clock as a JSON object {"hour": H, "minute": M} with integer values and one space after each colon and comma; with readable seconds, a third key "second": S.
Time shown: {"hour": 7, "minute": 43}
